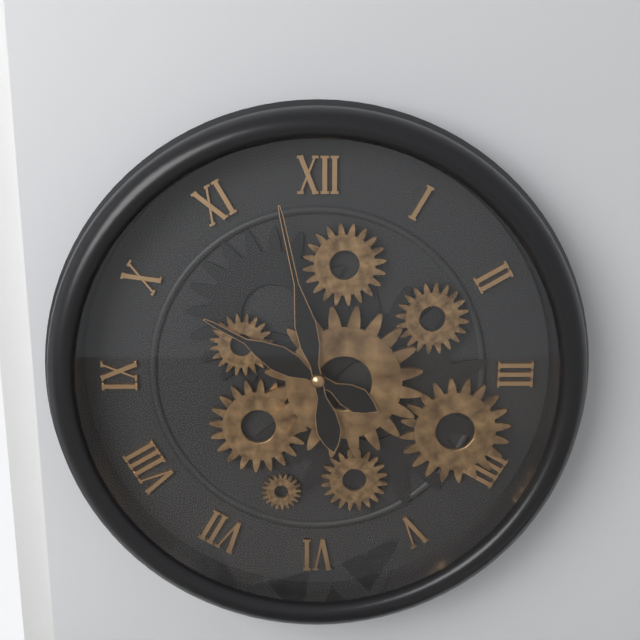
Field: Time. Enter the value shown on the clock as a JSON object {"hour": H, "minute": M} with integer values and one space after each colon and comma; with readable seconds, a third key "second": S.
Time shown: {"hour": 9, "minute": 58}
